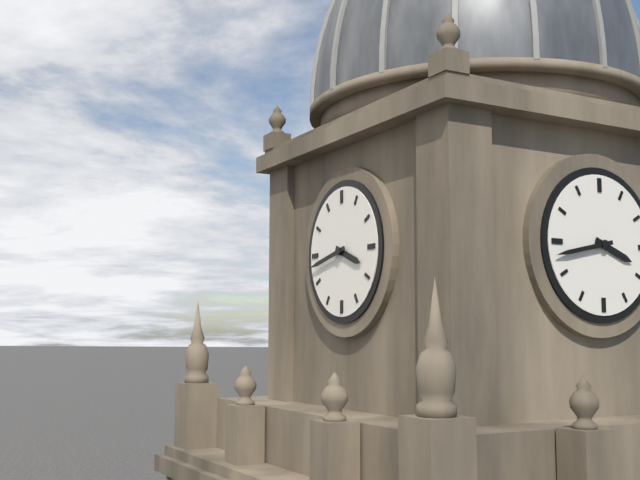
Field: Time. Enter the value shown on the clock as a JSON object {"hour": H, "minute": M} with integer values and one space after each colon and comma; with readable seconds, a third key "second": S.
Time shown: {"hour": 3, "minute": 43}
